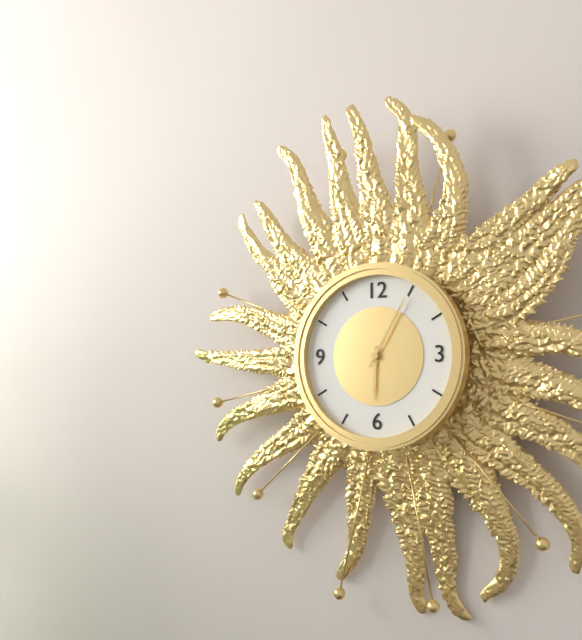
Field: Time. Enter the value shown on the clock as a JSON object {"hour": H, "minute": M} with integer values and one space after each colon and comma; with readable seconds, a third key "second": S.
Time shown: {"hour": 6, "minute": 5}
